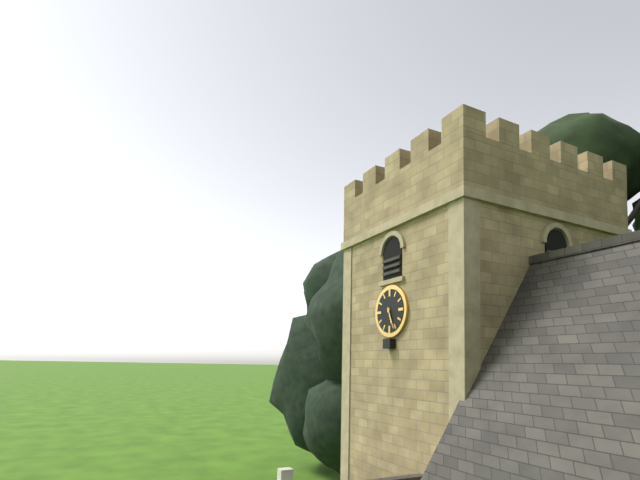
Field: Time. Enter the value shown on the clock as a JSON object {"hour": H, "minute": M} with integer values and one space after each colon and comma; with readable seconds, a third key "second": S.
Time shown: {"hour": 5, "minute": 26}
